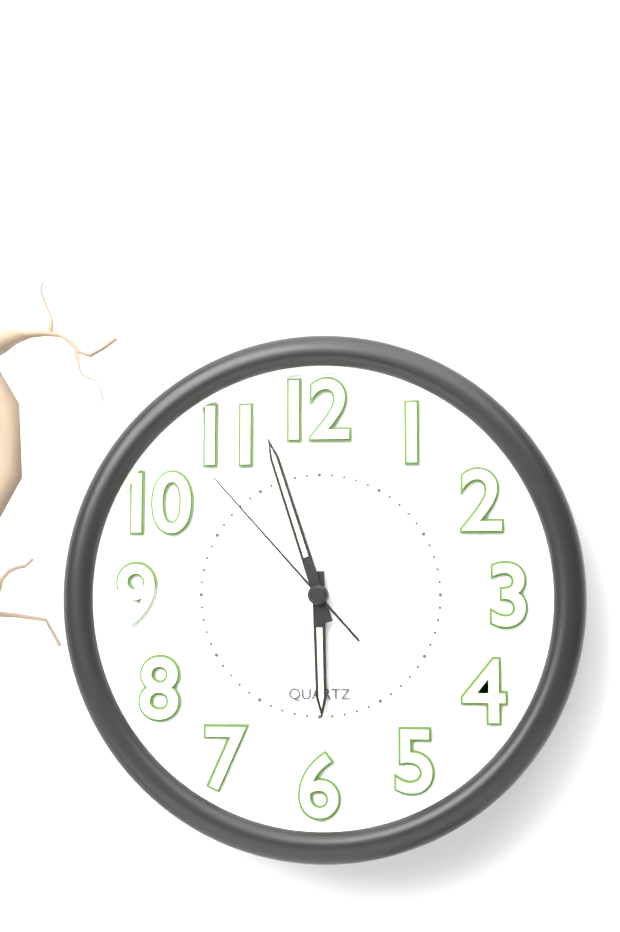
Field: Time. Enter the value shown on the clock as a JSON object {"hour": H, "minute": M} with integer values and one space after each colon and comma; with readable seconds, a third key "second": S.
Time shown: {"hour": 5, "minute": 57, "second": 53}
